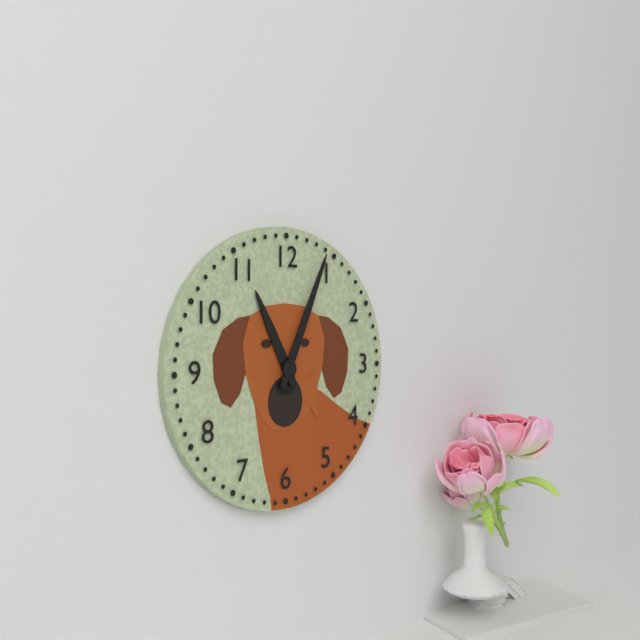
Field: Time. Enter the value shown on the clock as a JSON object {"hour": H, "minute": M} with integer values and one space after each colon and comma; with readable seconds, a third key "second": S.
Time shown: {"hour": 11, "minute": 4}
